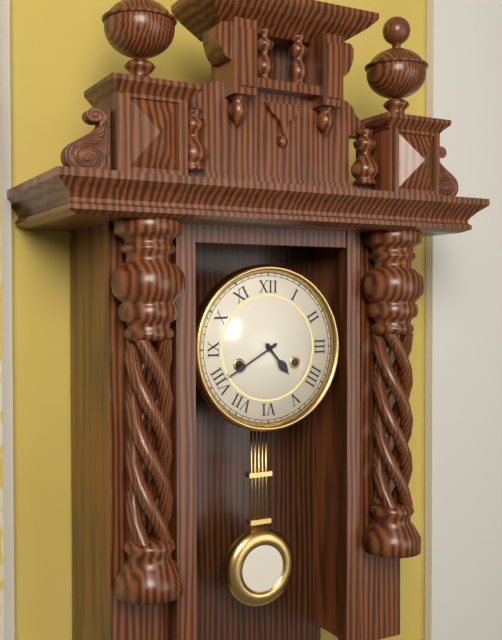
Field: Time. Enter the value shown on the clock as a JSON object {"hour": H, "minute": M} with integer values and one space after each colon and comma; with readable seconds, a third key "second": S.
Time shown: {"hour": 4, "minute": 40}
